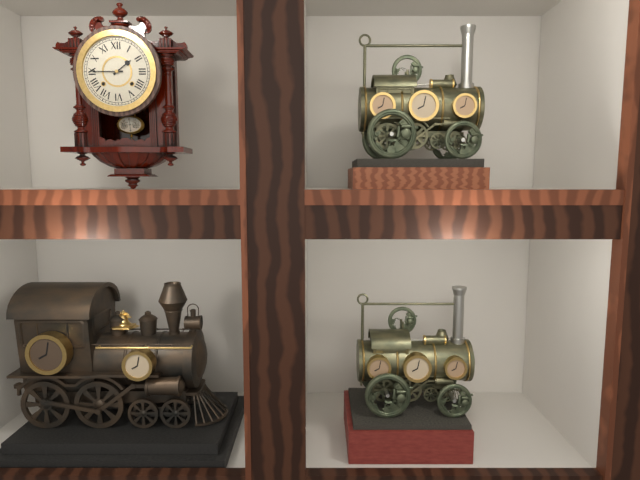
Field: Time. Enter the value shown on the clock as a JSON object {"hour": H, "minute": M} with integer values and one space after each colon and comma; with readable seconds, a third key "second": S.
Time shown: {"hour": 1, "minute": 45}
